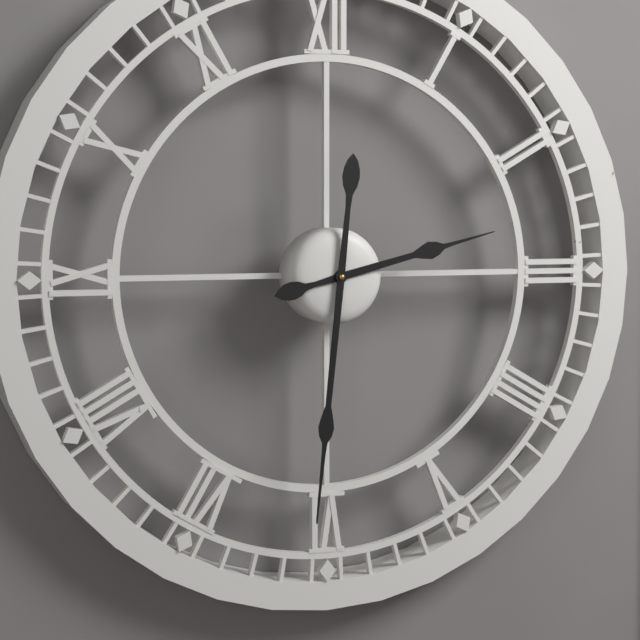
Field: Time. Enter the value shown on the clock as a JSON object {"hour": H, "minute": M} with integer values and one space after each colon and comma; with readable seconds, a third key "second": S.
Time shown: {"hour": 2, "minute": 31}
